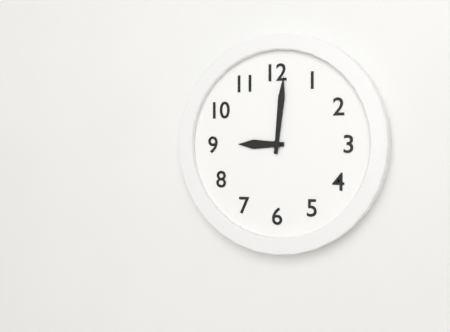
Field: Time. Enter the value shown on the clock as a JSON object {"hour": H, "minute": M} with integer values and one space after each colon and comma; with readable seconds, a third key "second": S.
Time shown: {"hour": 9, "minute": 1}
